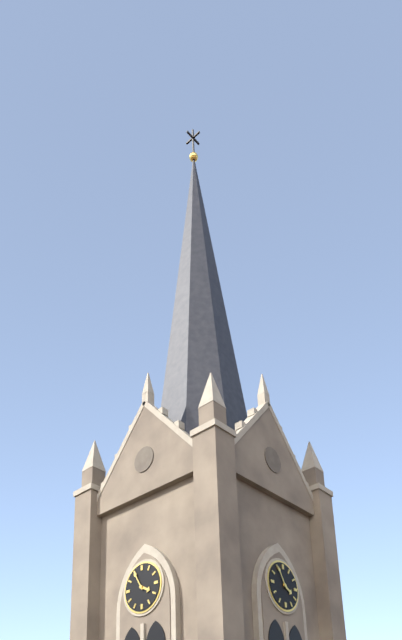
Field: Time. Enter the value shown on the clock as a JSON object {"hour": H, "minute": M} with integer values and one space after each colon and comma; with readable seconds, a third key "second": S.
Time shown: {"hour": 3, "minute": 55}
